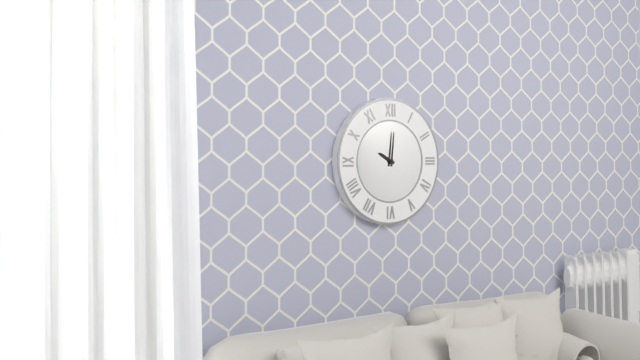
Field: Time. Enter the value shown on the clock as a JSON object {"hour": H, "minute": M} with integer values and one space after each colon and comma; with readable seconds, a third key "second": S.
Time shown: {"hour": 10, "minute": 1}
